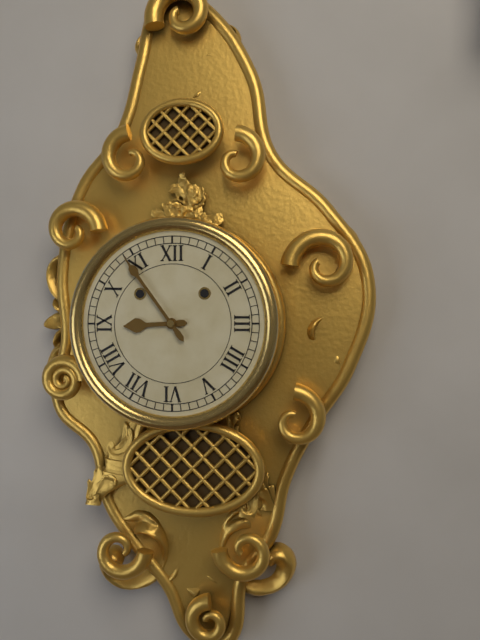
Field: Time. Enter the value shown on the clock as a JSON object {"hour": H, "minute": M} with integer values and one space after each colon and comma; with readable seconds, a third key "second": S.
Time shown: {"hour": 8, "minute": 54}
